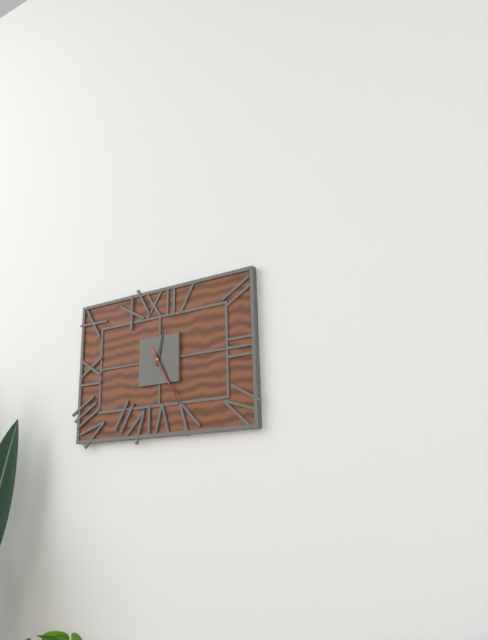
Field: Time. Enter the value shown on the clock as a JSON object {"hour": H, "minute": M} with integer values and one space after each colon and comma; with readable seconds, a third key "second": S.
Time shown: {"hour": 12, "minute": 25}
